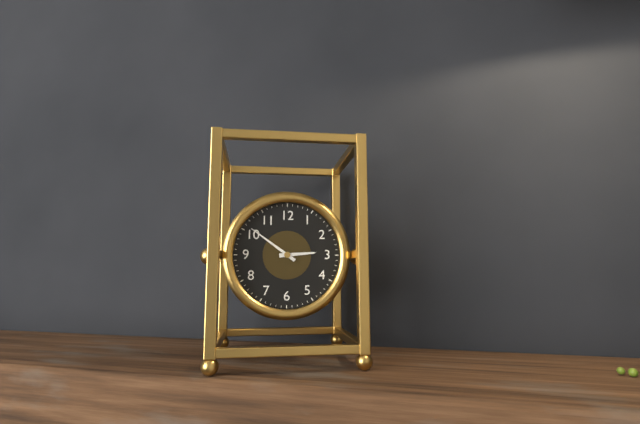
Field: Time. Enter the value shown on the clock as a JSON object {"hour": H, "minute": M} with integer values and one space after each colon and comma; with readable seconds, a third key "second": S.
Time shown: {"hour": 2, "minute": 51}
